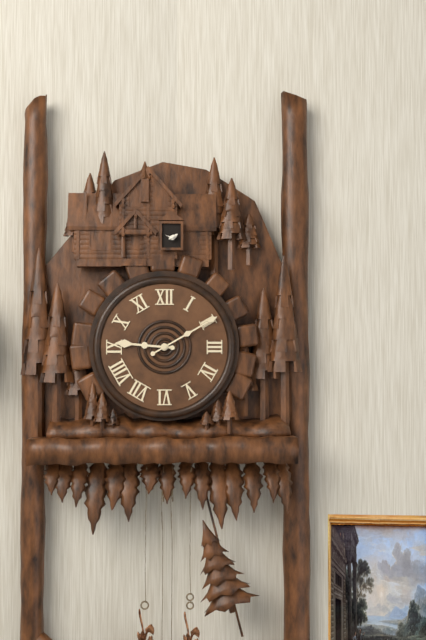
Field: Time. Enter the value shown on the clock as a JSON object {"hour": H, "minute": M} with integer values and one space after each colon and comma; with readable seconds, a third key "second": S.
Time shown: {"hour": 9, "minute": 10}
